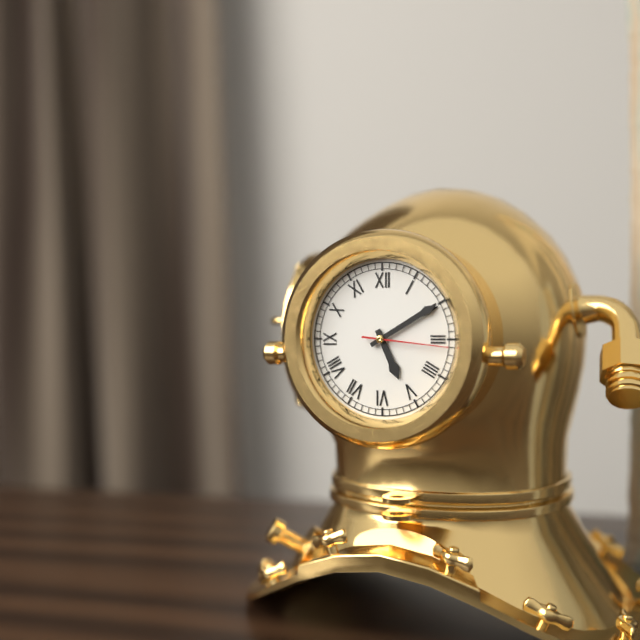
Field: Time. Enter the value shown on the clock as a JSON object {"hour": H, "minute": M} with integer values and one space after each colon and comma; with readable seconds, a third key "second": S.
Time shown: {"hour": 5, "minute": 10, "second": 16}
